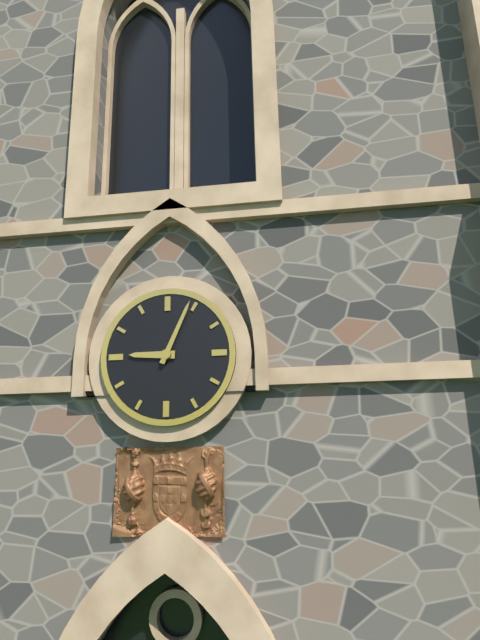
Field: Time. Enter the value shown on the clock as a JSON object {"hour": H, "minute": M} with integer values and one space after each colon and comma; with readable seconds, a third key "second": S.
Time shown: {"hour": 9, "minute": 4}
